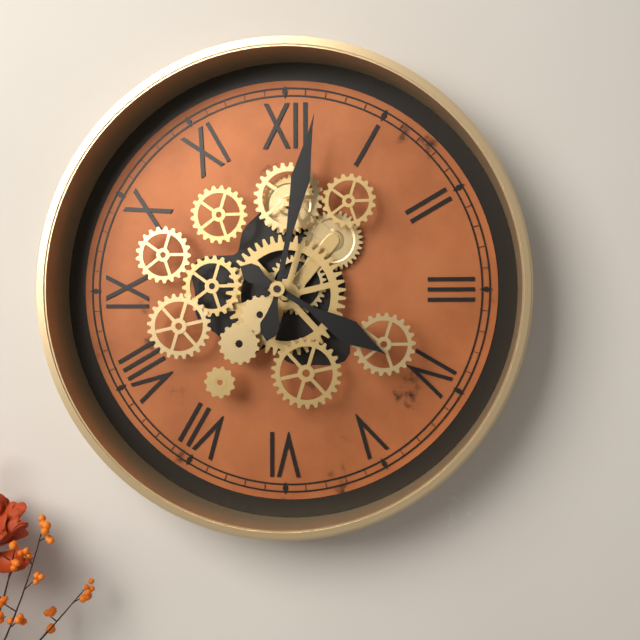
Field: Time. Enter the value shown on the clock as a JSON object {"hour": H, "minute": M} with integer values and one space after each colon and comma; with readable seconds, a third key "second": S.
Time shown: {"hour": 4, "minute": 2}
